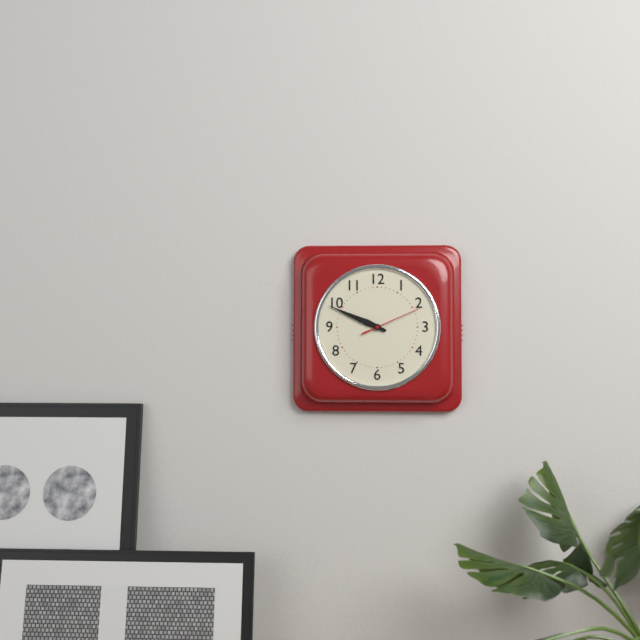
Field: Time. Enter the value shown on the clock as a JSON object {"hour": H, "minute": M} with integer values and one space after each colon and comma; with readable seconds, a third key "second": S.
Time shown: {"hour": 9, "minute": 49, "second": 11}
